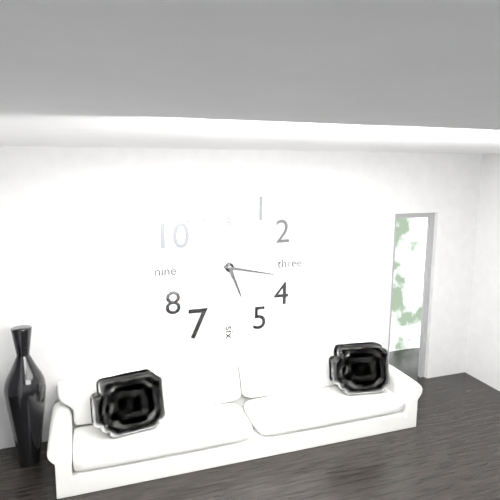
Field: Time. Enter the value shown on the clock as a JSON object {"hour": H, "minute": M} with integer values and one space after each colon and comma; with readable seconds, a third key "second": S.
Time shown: {"hour": 5, "minute": 17}
